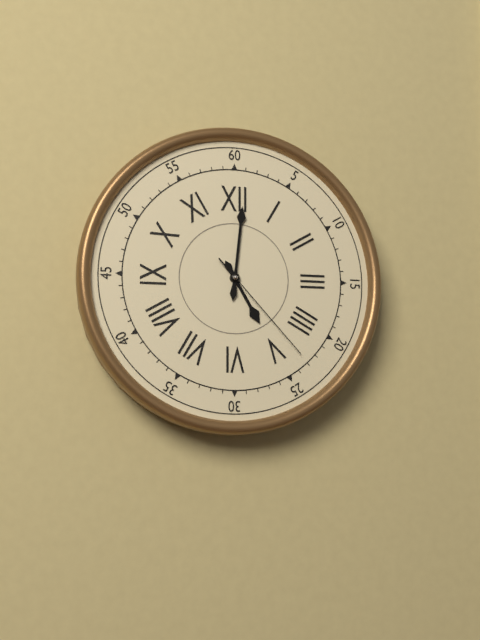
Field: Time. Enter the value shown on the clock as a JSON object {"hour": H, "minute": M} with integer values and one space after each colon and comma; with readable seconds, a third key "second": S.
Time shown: {"hour": 5, "minute": 1, "second": 23}
